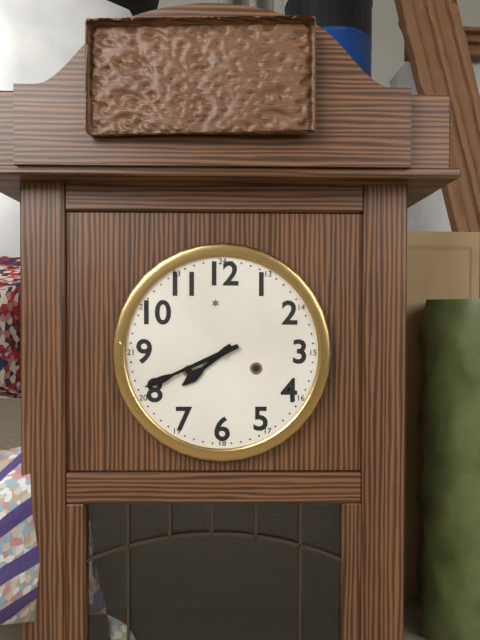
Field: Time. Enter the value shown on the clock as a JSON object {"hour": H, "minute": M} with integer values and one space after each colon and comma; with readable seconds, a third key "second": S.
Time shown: {"hour": 7, "minute": 41}
